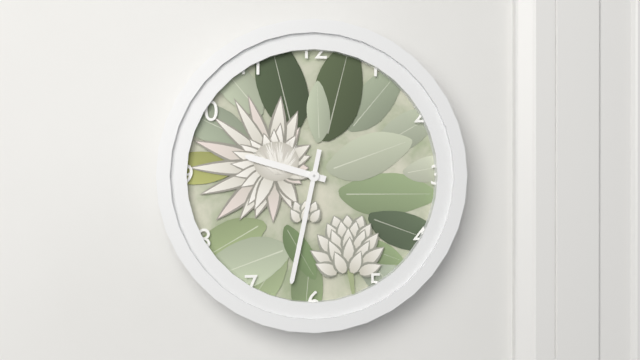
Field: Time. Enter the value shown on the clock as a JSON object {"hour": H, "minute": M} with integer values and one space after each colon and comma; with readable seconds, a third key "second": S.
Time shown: {"hour": 9, "minute": 32}
